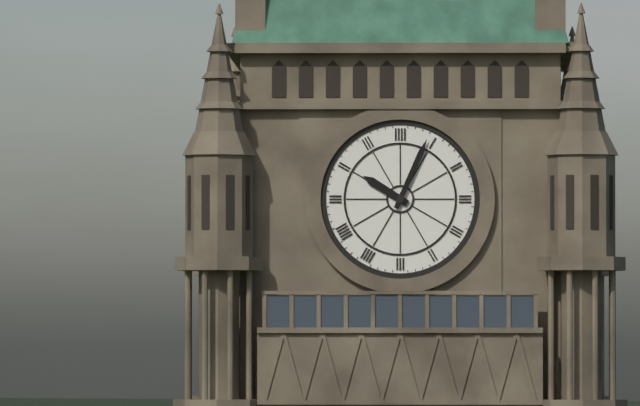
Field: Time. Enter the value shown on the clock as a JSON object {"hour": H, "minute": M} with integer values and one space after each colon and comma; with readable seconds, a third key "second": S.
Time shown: {"hour": 10, "minute": 4}
